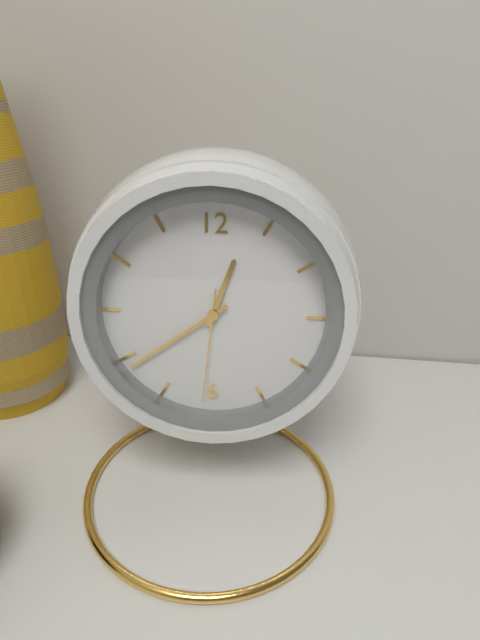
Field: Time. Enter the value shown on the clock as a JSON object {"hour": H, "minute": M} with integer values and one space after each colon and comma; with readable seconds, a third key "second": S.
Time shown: {"hour": 12, "minute": 39, "second": 31}
